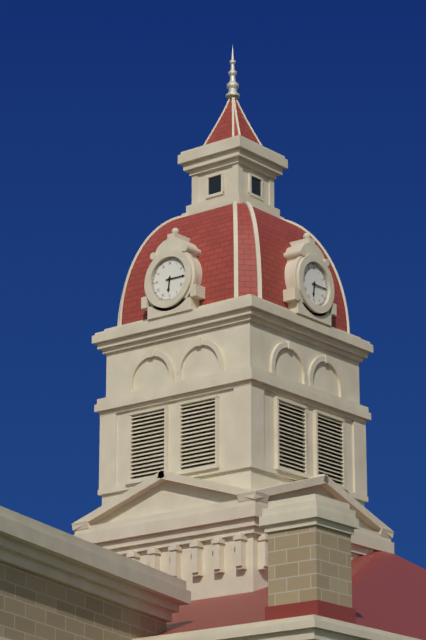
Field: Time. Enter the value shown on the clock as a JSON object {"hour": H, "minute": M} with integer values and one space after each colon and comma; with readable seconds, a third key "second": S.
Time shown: {"hour": 6, "minute": 15}
